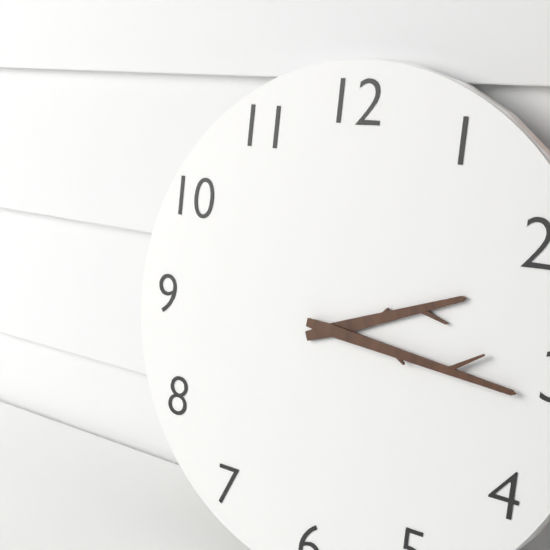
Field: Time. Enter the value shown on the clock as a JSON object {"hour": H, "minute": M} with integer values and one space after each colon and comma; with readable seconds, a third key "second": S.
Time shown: {"hour": 2, "minute": 16}
